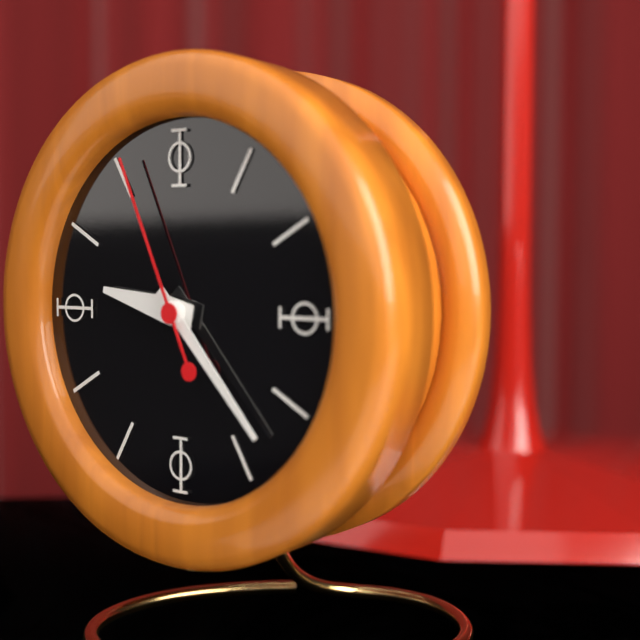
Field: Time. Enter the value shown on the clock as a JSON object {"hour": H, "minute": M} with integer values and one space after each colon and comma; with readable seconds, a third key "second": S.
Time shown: {"hour": 9, "minute": 23, "second": 56}
